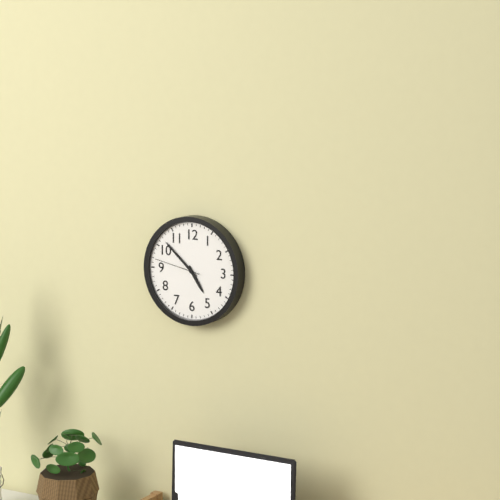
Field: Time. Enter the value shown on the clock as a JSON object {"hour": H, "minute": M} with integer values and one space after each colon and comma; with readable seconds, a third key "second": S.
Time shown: {"hour": 4, "minute": 52}
